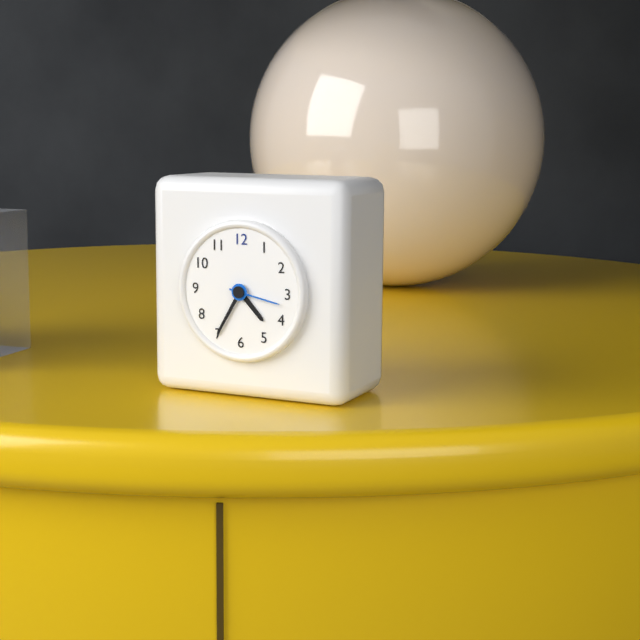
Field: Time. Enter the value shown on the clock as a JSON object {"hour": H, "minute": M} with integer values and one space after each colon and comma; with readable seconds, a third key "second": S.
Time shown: {"hour": 4, "minute": 35, "second": 17}
